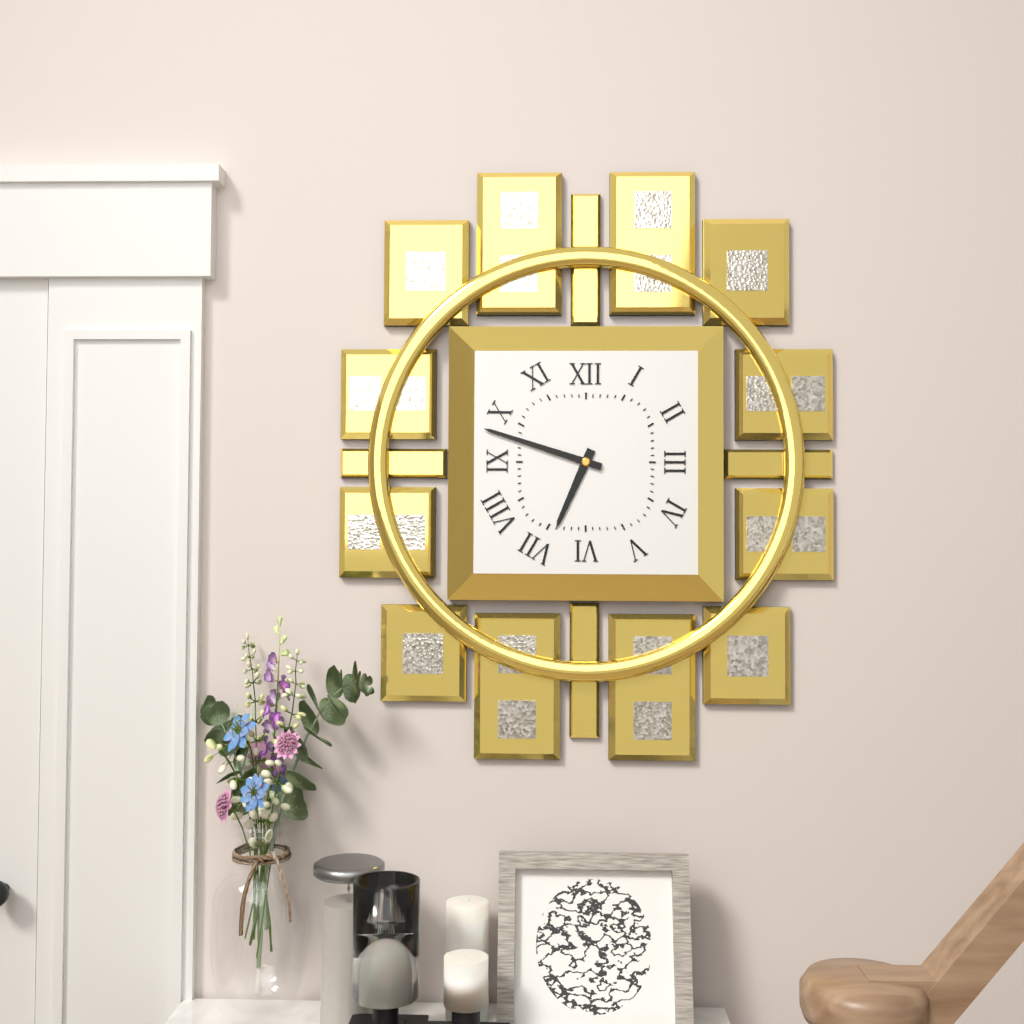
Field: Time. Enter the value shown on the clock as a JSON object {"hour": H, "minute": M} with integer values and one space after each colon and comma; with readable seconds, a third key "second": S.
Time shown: {"hour": 6, "minute": 48}
